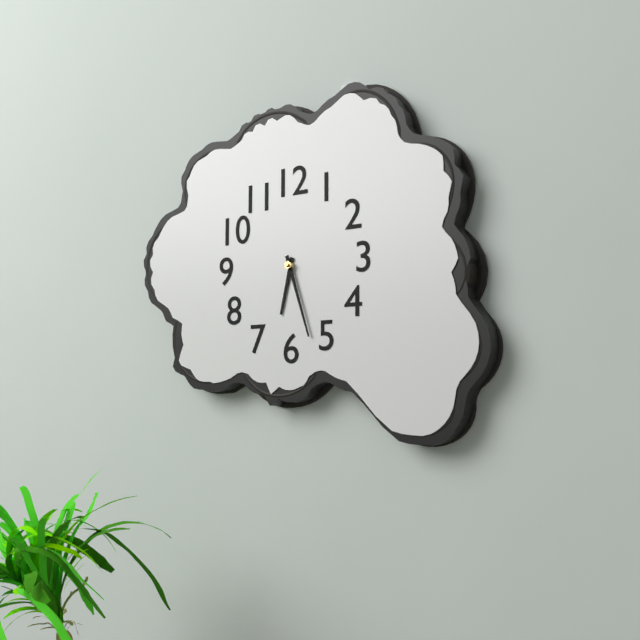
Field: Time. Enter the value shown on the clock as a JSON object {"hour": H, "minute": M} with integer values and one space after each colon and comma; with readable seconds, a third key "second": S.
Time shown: {"hour": 6, "minute": 27}
